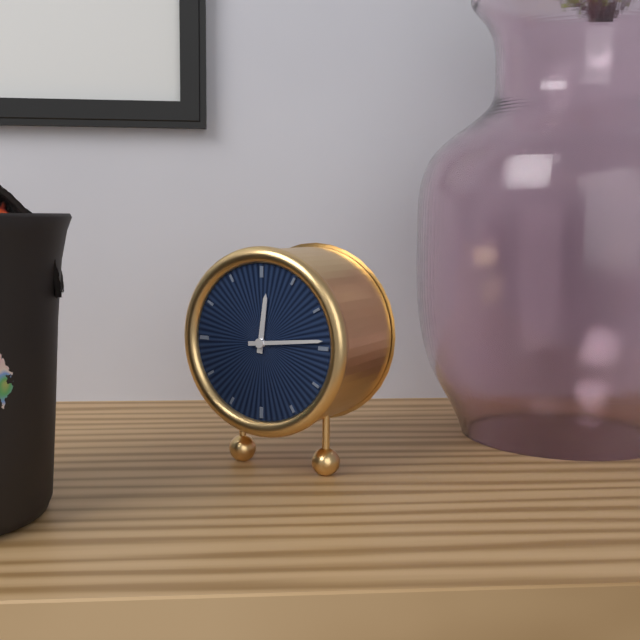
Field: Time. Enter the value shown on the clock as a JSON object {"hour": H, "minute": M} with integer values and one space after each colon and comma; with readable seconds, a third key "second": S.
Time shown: {"hour": 12, "minute": 14}
